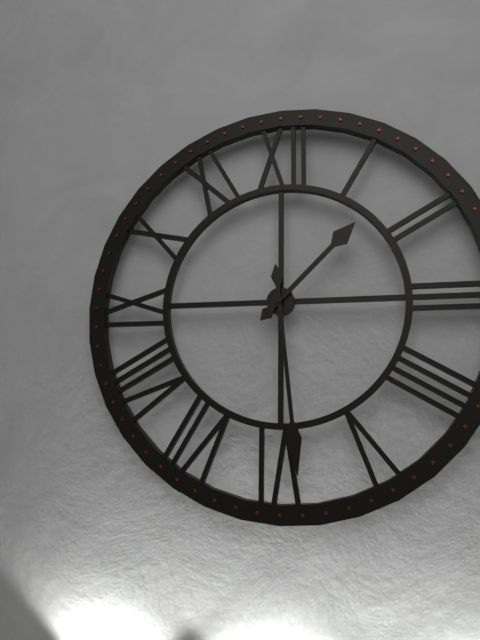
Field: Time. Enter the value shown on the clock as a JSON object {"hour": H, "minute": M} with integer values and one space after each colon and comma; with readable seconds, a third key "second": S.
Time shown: {"hour": 1, "minute": 29}
